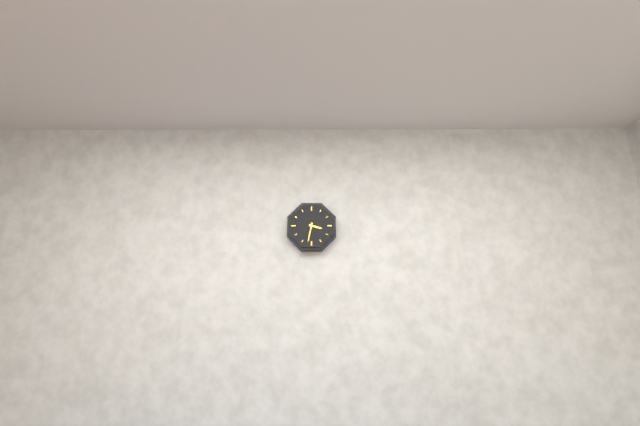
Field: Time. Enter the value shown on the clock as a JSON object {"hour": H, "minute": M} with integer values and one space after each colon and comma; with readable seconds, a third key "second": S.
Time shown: {"hour": 3, "minute": 32}
